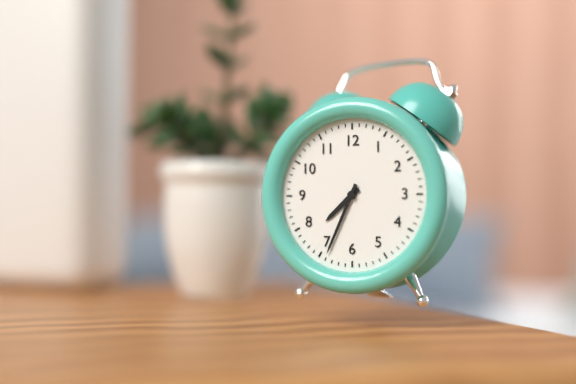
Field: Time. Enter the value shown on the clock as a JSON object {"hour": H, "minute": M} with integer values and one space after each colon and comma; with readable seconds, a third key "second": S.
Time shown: {"hour": 7, "minute": 34}
